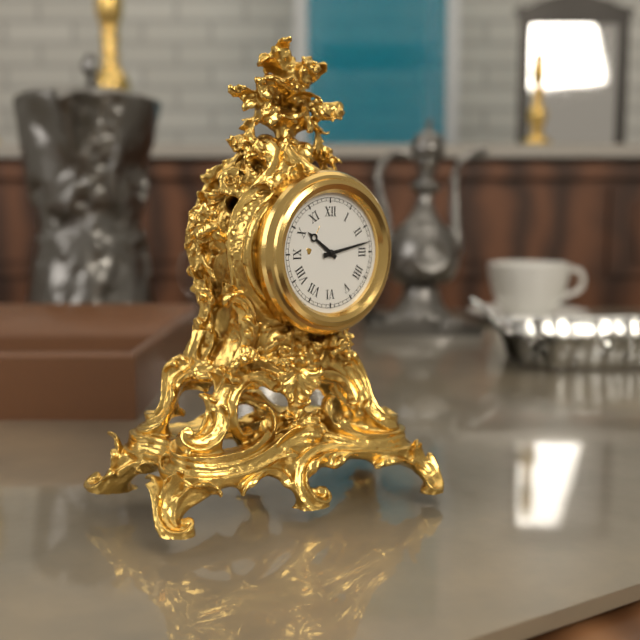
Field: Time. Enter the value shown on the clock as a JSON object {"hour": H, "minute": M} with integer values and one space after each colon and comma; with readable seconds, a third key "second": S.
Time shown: {"hour": 10, "minute": 13}
